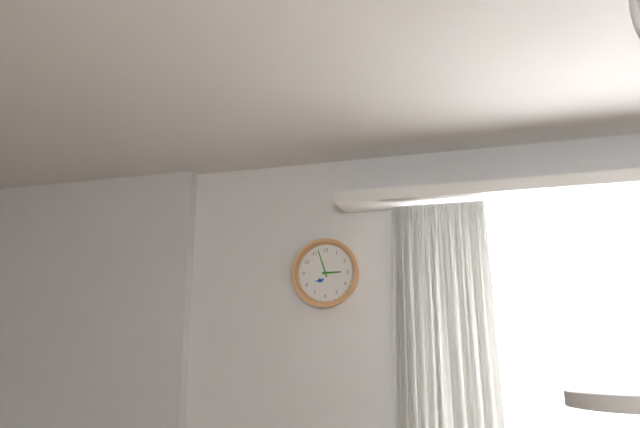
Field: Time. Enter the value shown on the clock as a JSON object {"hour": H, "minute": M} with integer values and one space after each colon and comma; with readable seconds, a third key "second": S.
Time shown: {"hour": 2, "minute": 57}
